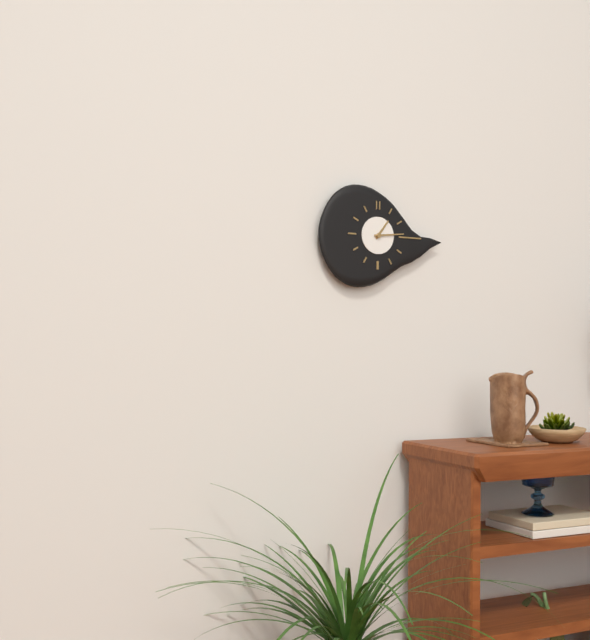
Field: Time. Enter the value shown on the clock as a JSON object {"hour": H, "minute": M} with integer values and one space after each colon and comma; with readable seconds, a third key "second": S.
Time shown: {"hour": 1, "minute": 14}
